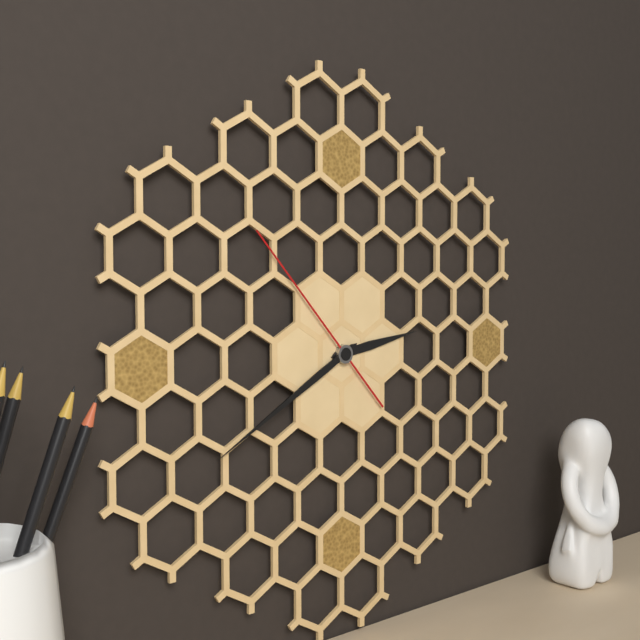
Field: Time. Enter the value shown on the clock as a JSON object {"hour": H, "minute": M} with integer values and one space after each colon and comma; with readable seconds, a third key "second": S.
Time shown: {"hour": 2, "minute": 40, "second": 53}
